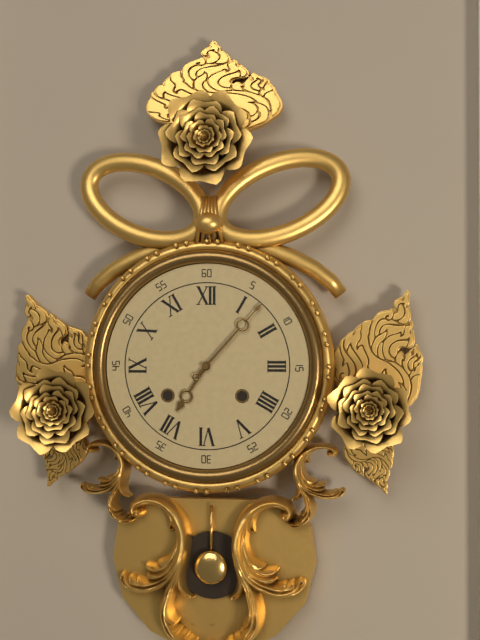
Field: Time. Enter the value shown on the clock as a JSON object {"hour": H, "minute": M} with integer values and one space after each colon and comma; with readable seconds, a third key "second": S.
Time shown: {"hour": 7, "minute": 7}
